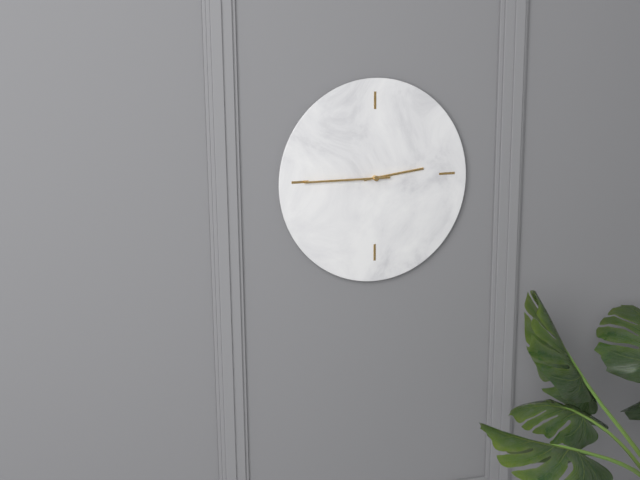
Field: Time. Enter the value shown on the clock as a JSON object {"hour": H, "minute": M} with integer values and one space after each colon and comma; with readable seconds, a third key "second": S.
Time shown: {"hour": 2, "minute": 45}
